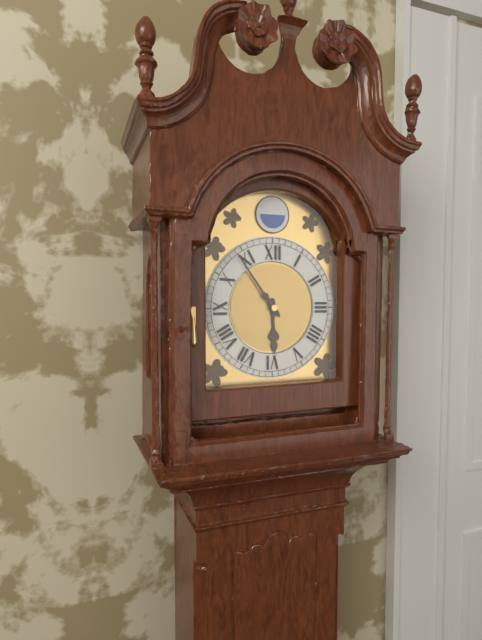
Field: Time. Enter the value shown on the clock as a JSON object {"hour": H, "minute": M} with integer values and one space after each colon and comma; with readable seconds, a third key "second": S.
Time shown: {"hour": 5, "minute": 54}
